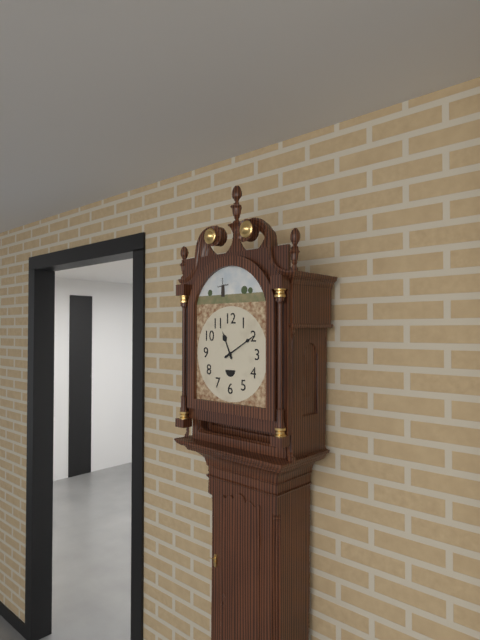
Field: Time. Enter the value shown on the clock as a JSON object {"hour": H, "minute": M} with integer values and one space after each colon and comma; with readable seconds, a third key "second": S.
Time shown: {"hour": 11, "minute": 10}
